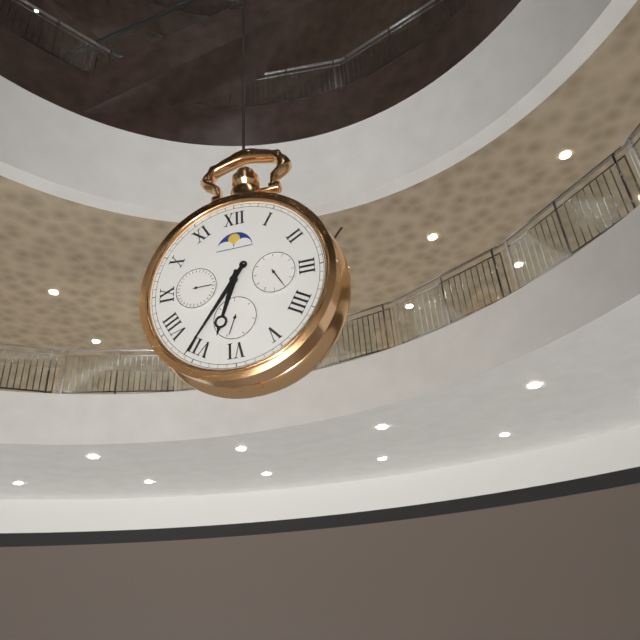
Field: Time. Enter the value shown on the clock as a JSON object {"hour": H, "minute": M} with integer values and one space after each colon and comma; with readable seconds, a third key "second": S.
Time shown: {"hour": 6, "minute": 36}
